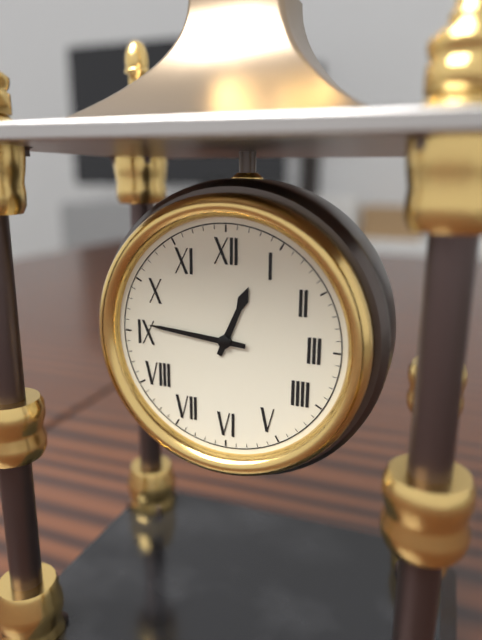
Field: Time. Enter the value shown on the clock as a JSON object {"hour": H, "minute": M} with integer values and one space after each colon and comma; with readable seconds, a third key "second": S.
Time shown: {"hour": 12, "minute": 46}
